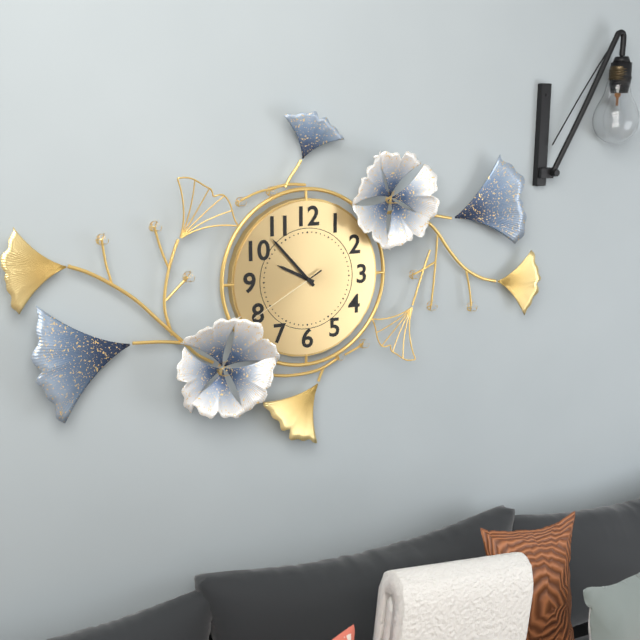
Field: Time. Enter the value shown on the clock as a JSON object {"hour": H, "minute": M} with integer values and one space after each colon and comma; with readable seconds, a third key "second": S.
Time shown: {"hour": 9, "minute": 53, "second": 40}
